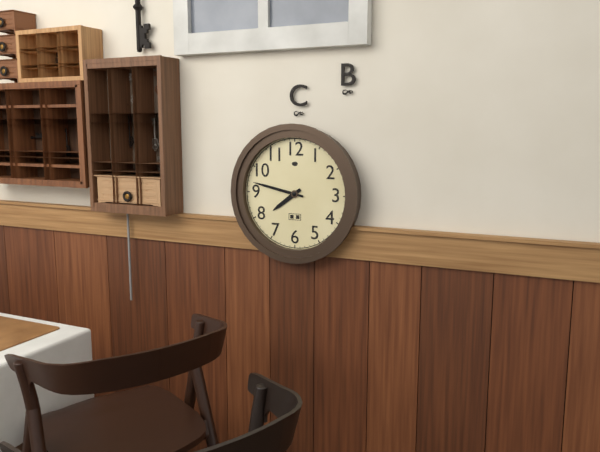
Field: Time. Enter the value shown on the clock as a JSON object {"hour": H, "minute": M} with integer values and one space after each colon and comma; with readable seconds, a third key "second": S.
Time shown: {"hour": 7, "minute": 47}
